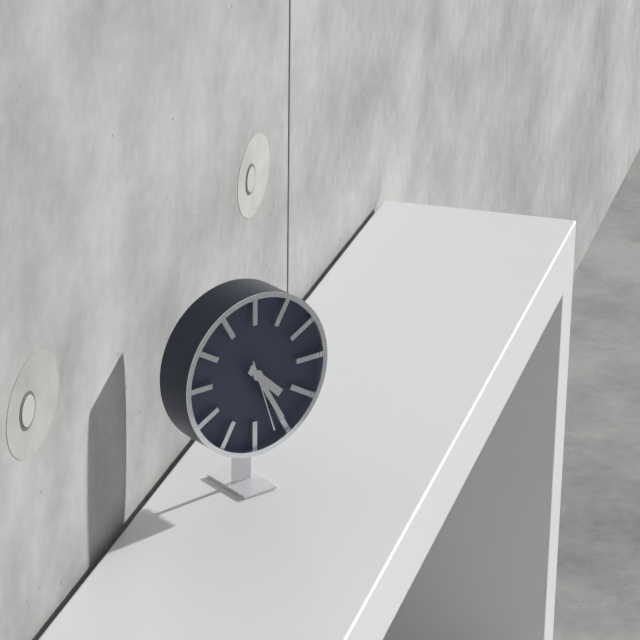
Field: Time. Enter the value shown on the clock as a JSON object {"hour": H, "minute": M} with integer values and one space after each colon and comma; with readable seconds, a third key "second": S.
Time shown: {"hour": 4, "minute": 25, "second": 27}
